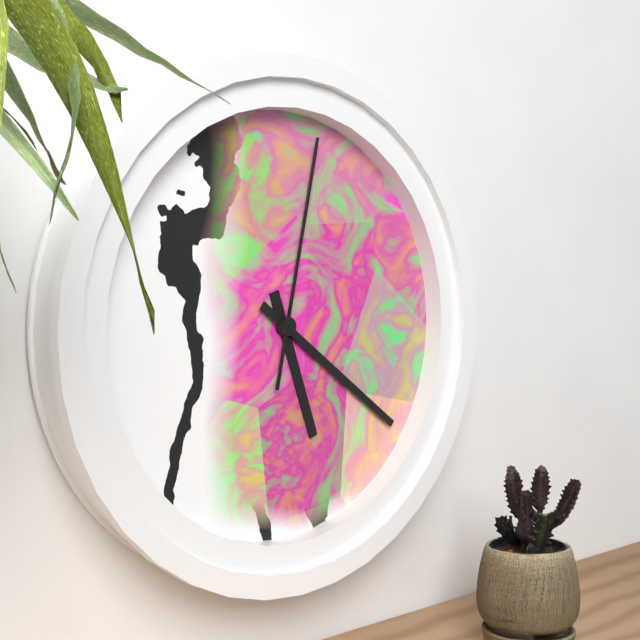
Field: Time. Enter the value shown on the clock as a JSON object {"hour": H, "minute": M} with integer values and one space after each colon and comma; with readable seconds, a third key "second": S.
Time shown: {"hour": 5, "minute": 21, "second": 2}
